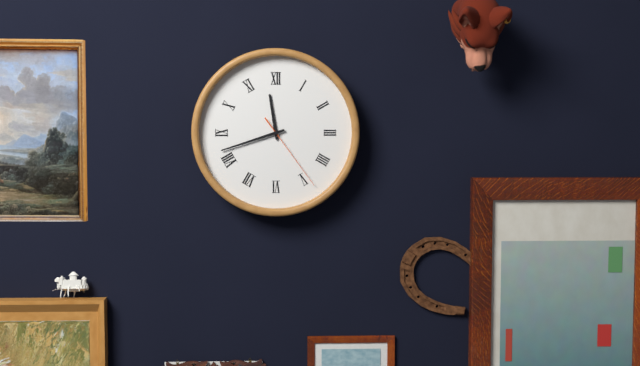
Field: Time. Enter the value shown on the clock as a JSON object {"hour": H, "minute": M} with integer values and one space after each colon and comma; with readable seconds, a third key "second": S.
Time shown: {"hour": 11, "minute": 42, "second": 24}
